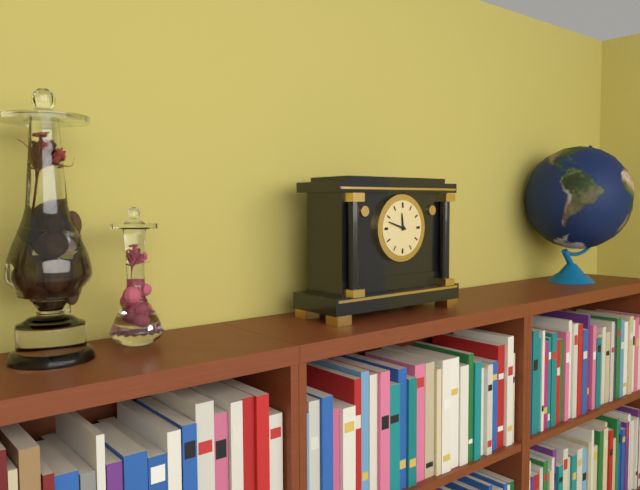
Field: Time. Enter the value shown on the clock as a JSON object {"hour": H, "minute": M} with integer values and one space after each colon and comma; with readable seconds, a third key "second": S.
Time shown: {"hour": 11, "minute": 48}
